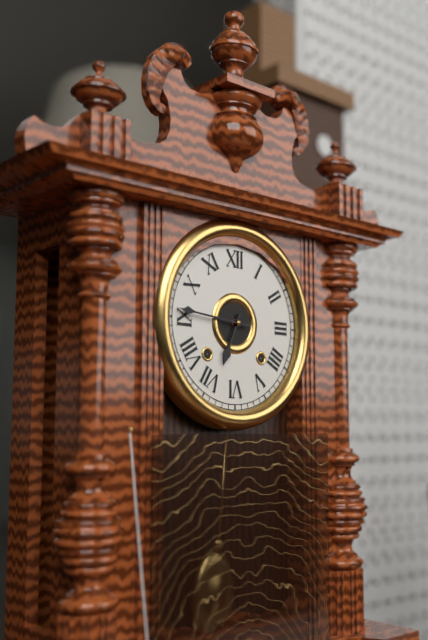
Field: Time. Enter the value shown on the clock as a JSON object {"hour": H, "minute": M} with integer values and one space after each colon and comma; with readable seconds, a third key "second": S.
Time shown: {"hour": 6, "minute": 46}
